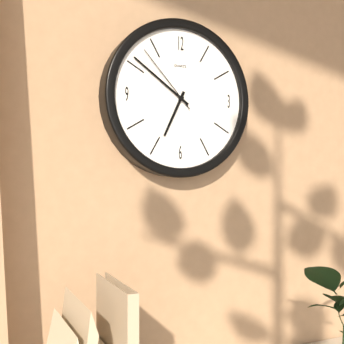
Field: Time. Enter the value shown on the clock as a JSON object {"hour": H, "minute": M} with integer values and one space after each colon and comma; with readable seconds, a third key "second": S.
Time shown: {"hour": 6, "minute": 51, "second": 53}
